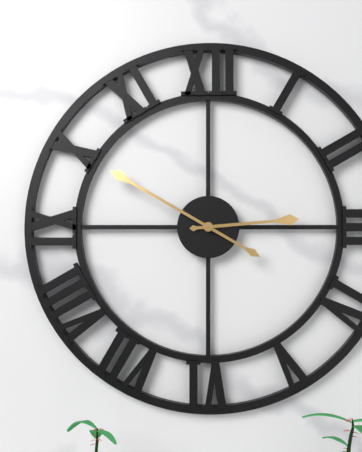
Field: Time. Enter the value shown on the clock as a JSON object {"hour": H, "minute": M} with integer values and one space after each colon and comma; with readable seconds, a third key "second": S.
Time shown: {"hour": 2, "minute": 50}
